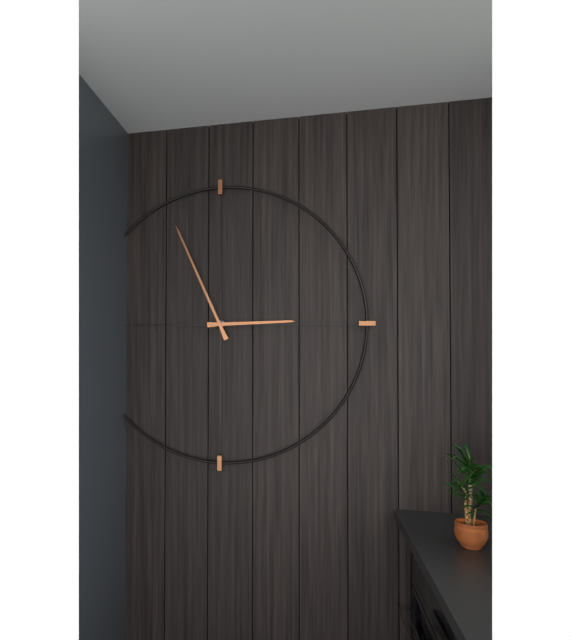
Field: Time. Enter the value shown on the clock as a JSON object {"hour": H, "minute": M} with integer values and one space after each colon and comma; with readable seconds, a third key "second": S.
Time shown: {"hour": 2, "minute": 56}
